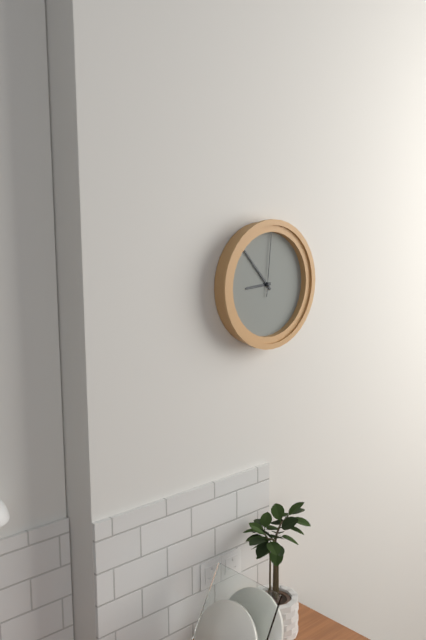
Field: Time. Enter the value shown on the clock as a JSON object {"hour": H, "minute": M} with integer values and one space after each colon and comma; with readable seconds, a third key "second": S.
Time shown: {"hour": 8, "minute": 53, "second": 1}
